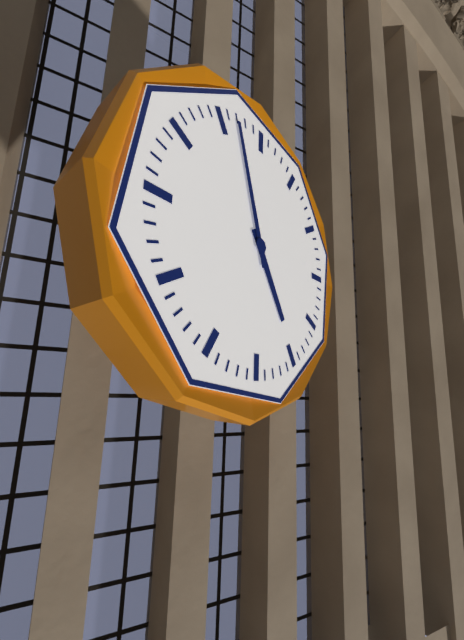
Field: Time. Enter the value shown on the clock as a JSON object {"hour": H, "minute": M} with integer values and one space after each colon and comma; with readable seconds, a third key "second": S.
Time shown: {"hour": 4, "minute": 57}
